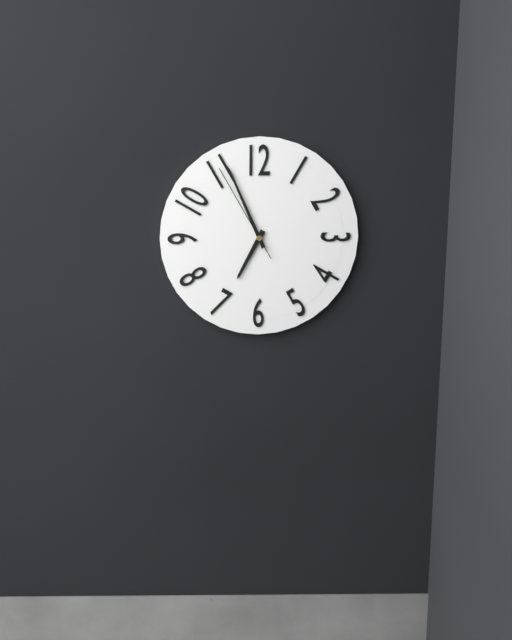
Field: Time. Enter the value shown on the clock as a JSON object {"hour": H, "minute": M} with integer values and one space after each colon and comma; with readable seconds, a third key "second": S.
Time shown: {"hour": 6, "minute": 56, "second": 55}
